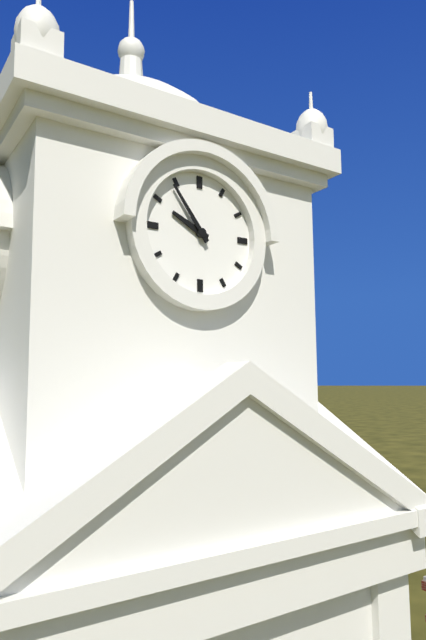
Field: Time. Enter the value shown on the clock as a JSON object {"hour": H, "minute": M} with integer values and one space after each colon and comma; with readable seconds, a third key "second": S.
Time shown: {"hour": 9, "minute": 54}
